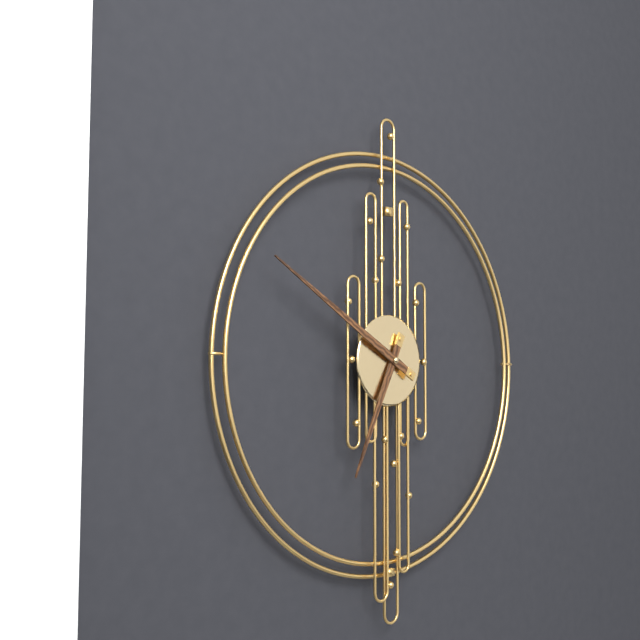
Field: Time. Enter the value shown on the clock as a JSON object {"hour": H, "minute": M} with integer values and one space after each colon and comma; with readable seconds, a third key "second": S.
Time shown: {"hour": 6, "minute": 50}
